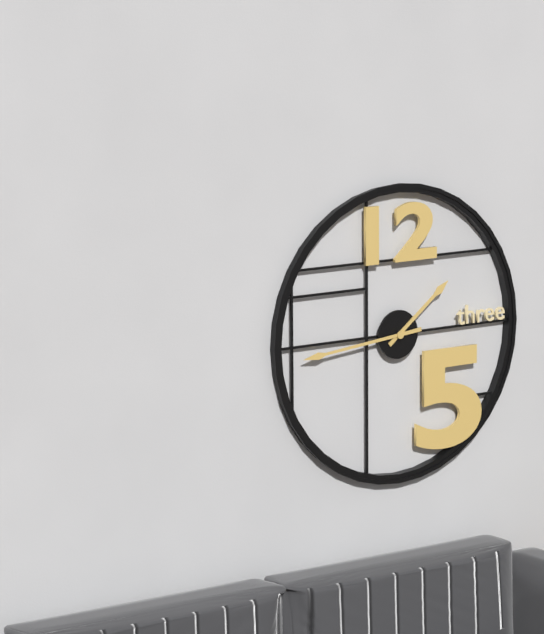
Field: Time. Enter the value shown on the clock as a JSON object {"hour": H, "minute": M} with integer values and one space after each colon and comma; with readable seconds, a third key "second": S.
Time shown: {"hour": 1, "minute": 44}
